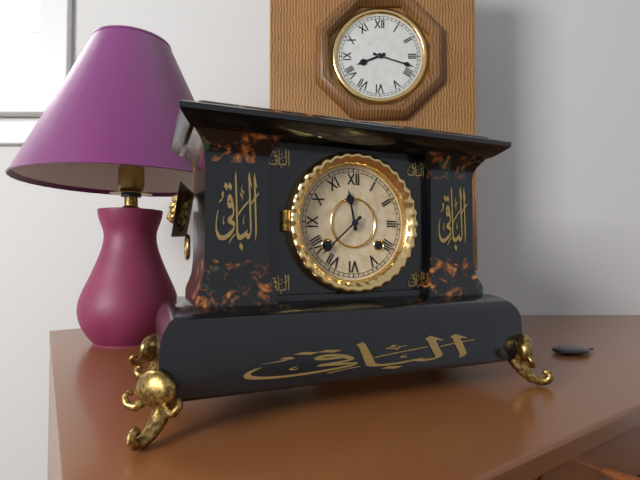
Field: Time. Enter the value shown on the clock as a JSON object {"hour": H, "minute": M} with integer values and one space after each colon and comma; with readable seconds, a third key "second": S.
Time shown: {"hour": 11, "minute": 38}
